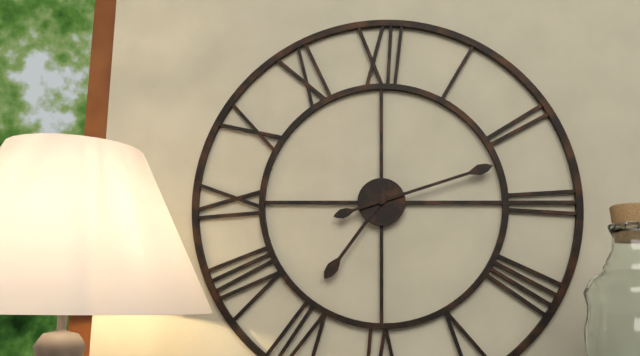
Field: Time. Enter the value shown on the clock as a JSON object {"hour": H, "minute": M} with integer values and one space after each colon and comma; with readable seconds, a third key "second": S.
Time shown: {"hour": 7, "minute": 12}
